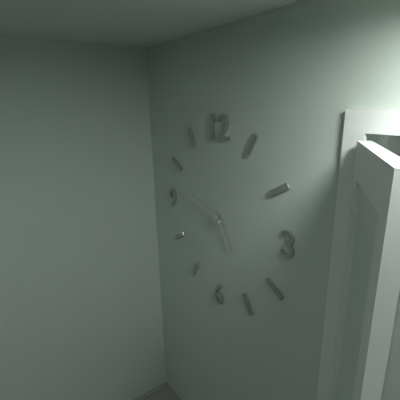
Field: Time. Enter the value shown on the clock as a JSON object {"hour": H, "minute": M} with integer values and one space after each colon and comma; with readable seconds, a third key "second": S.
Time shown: {"hour": 4, "minute": 48}
